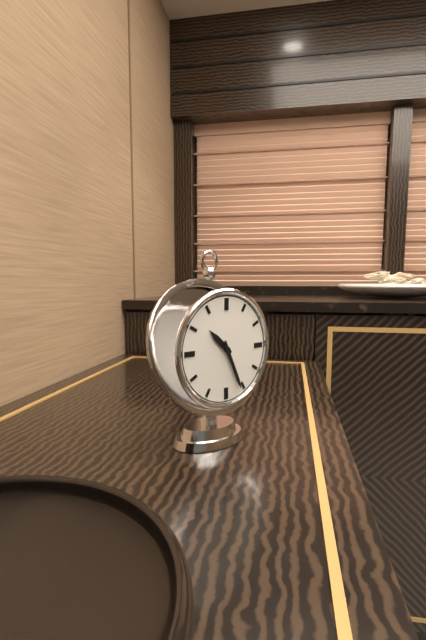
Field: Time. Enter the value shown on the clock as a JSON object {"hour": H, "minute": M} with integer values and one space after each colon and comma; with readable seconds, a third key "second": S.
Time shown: {"hour": 10, "minute": 26}
